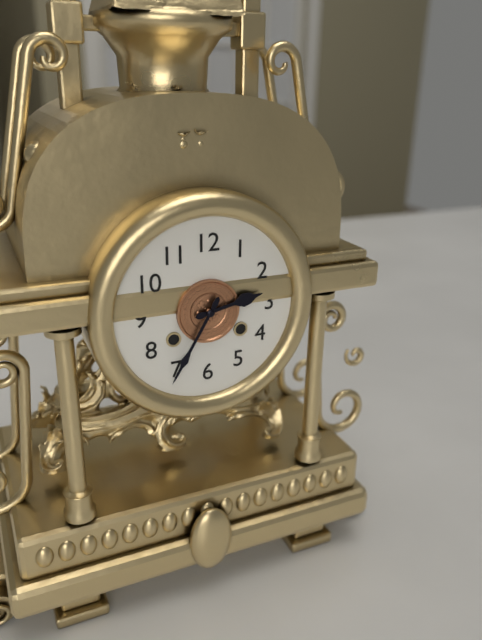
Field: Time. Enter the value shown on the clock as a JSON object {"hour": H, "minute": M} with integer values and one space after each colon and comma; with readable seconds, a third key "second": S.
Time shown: {"hour": 2, "minute": 35}
